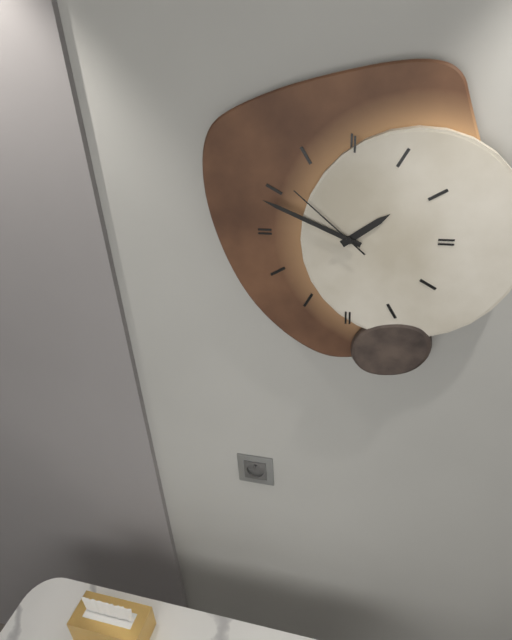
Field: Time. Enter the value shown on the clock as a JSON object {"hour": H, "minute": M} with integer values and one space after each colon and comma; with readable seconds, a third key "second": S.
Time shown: {"hour": 1, "minute": 49, "second": 52}
